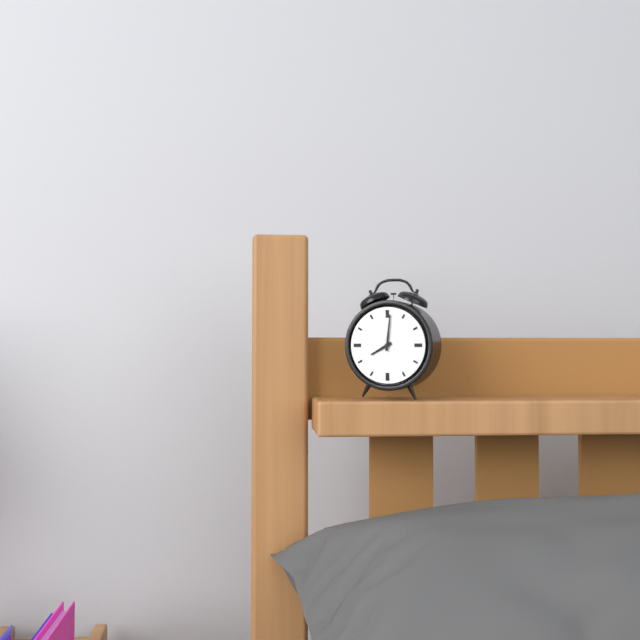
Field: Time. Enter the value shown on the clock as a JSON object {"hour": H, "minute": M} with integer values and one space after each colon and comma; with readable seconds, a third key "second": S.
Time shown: {"hour": 8, "minute": 1}
